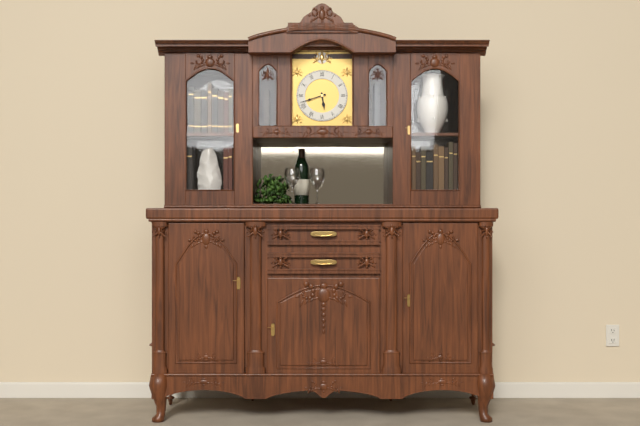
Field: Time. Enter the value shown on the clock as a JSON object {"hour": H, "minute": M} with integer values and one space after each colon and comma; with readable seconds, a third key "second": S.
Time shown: {"hour": 5, "minute": 42}
